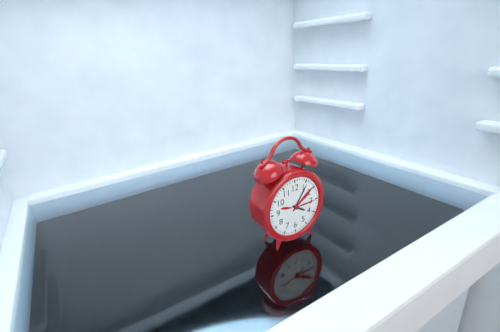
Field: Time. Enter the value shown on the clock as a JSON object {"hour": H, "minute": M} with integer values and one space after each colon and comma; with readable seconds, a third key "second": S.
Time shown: {"hour": 4, "minute": 6}
